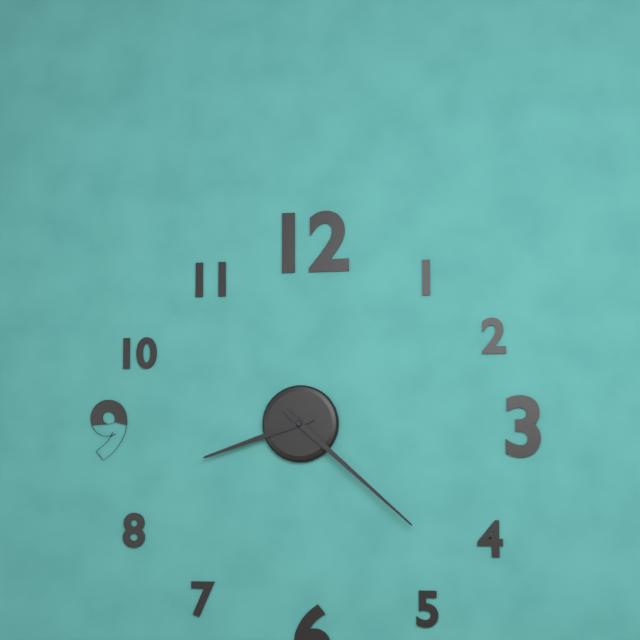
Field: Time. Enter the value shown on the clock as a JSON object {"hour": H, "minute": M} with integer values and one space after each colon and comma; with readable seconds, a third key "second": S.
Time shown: {"hour": 8, "minute": 22}
